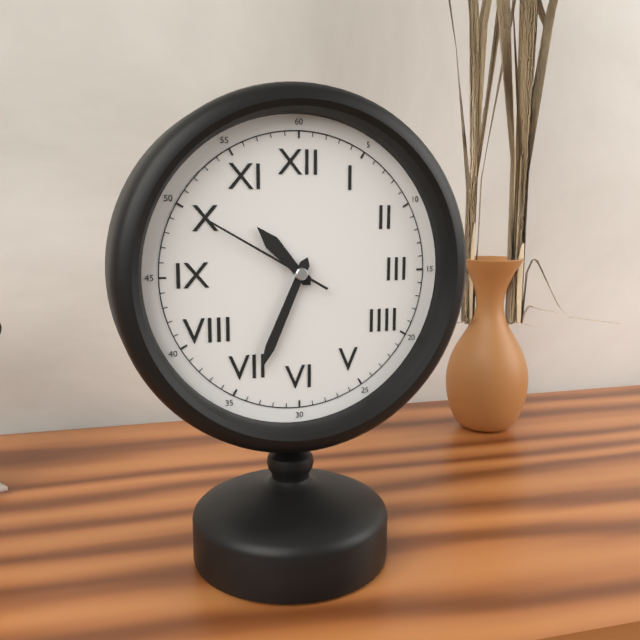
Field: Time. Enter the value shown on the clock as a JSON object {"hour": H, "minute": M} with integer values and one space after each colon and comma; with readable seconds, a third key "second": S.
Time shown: {"hour": 10, "minute": 34, "second": 50}
